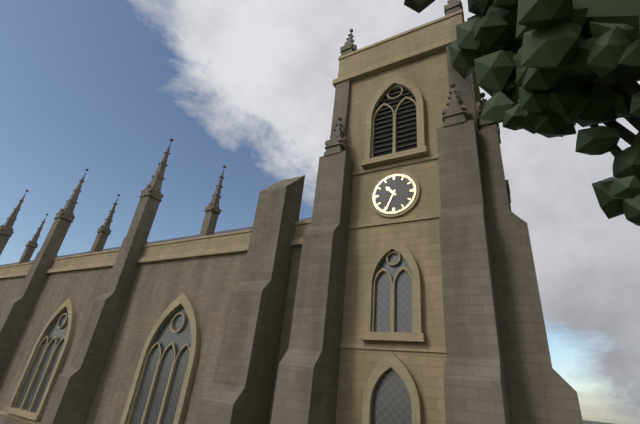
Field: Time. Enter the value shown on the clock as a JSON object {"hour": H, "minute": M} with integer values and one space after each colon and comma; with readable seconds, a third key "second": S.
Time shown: {"hour": 10, "minute": 34}
